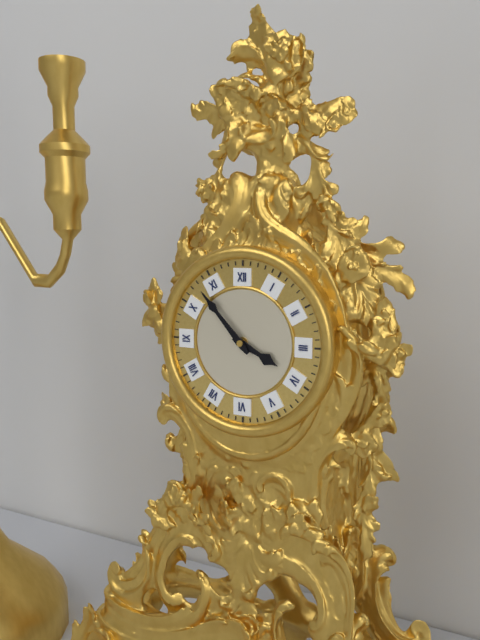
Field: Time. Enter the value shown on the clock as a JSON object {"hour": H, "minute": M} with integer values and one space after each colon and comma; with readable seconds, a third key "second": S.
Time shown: {"hour": 3, "minute": 53}
